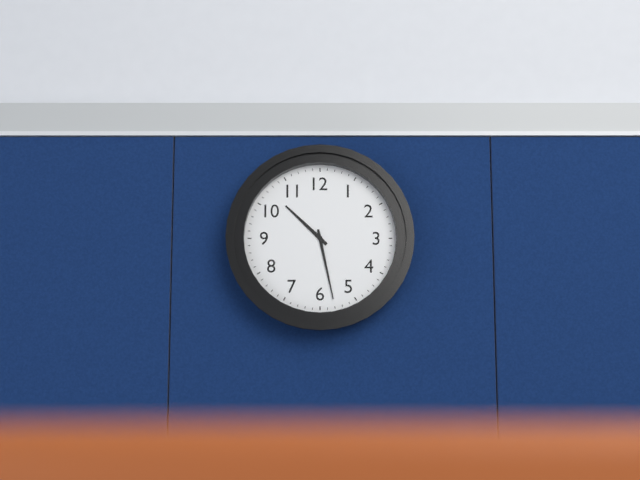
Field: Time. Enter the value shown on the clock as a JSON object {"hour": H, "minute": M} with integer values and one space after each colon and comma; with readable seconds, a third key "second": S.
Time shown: {"hour": 10, "minute": 28}
